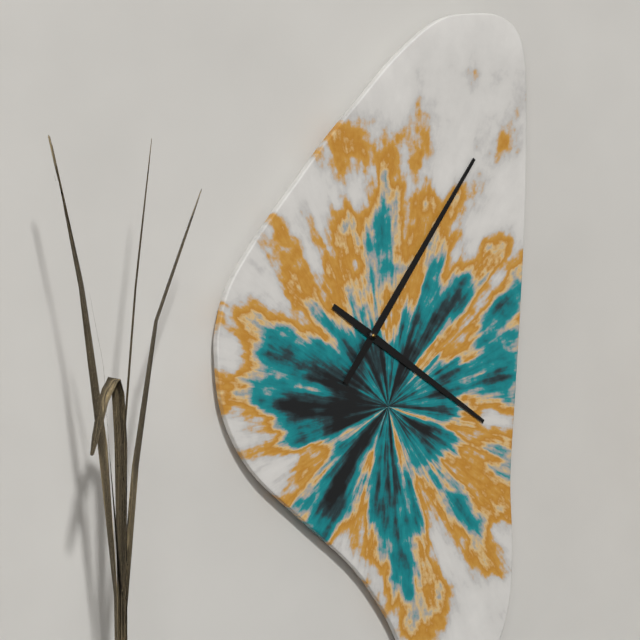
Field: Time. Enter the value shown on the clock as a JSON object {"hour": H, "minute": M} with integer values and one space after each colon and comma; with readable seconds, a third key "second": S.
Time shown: {"hour": 4, "minute": 6}
